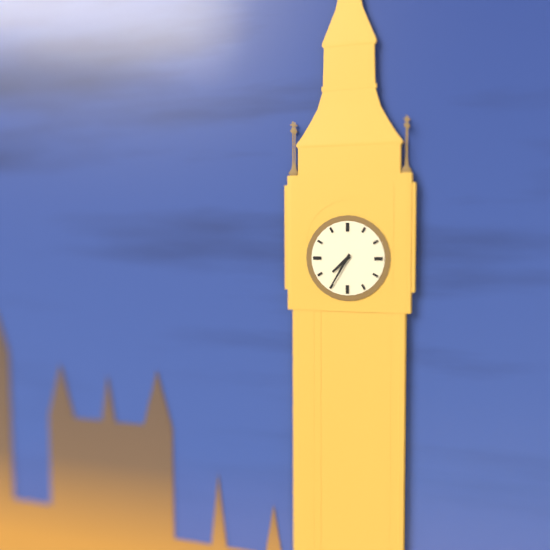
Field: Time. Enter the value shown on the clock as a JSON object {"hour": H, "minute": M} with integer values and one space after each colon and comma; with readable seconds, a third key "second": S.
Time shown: {"hour": 7, "minute": 35}
